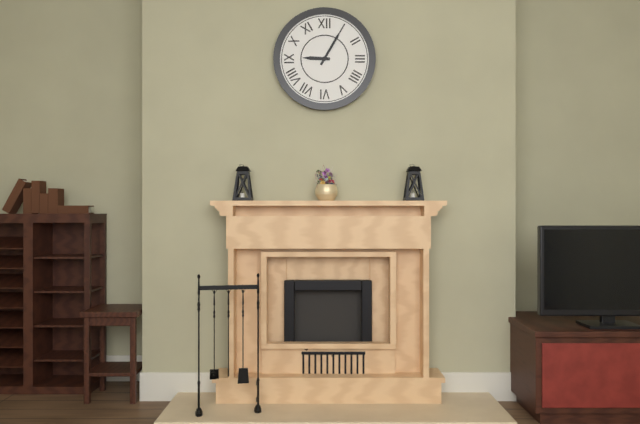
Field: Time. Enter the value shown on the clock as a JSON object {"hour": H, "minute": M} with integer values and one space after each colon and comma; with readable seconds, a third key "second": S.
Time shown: {"hour": 9, "minute": 5}
